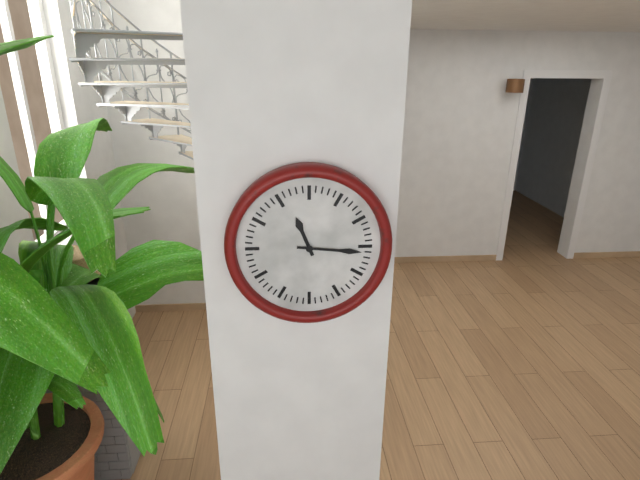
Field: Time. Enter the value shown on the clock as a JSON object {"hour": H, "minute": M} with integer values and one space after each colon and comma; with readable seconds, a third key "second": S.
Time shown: {"hour": 11, "minute": 16}
